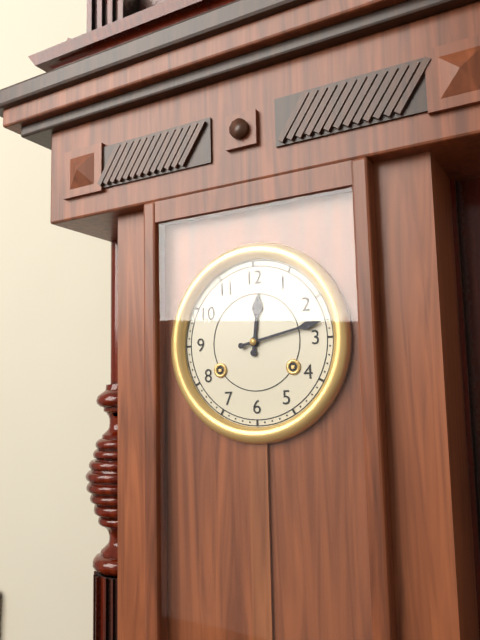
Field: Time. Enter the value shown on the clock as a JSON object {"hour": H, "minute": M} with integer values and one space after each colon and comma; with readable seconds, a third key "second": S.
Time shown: {"hour": 12, "minute": 13}
